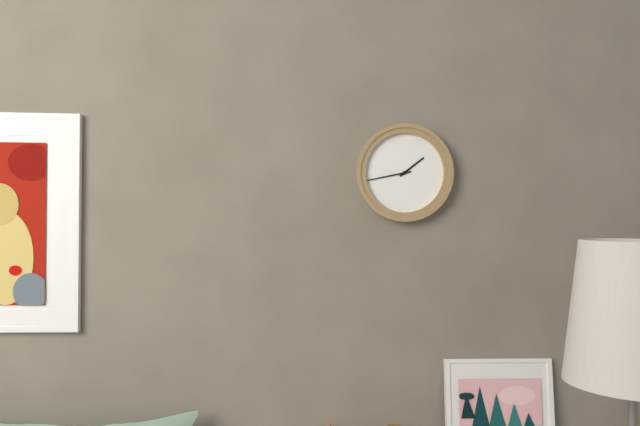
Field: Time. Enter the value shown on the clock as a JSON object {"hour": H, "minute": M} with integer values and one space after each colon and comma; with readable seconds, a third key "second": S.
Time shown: {"hour": 1, "minute": 43}
